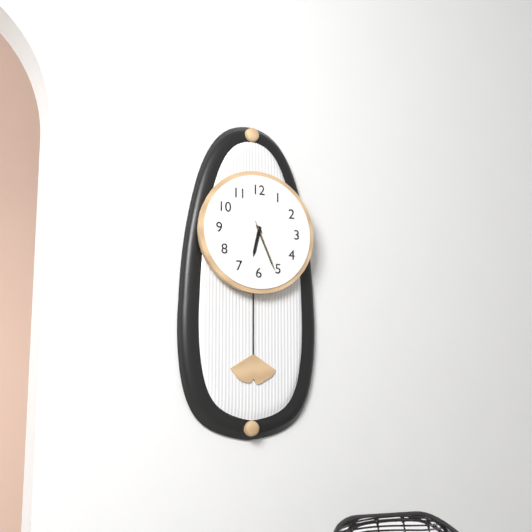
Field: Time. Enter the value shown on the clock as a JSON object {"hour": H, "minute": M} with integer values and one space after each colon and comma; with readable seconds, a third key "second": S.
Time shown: {"hour": 6, "minute": 26, "second": 26}
